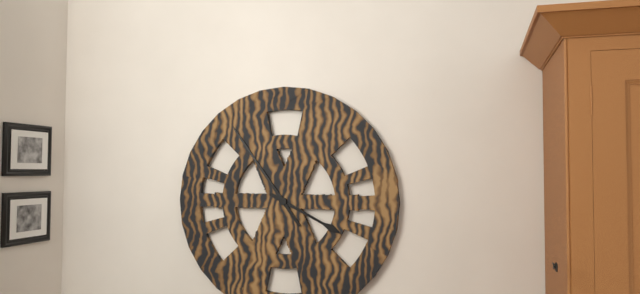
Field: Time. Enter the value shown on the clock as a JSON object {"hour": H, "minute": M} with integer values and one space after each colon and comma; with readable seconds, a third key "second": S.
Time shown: {"hour": 3, "minute": 54}
